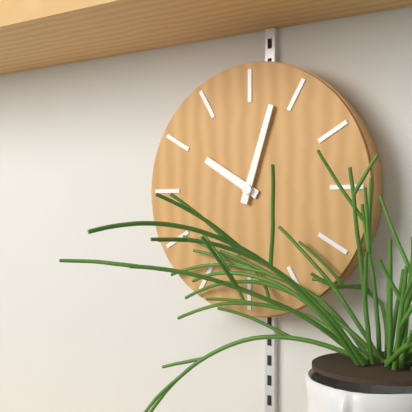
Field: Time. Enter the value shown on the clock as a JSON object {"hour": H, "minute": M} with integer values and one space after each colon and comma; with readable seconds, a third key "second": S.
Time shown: {"hour": 10, "minute": 3}
